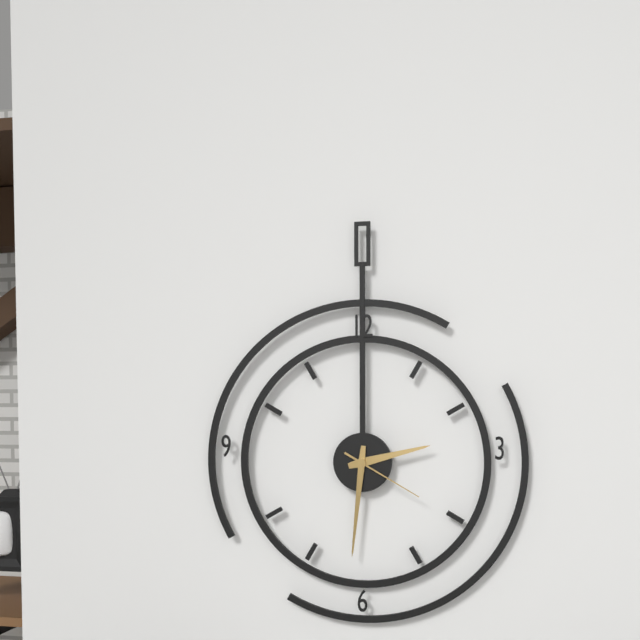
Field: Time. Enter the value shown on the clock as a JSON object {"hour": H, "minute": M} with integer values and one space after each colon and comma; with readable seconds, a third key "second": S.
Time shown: {"hour": 2, "minute": 31, "second": 20}
